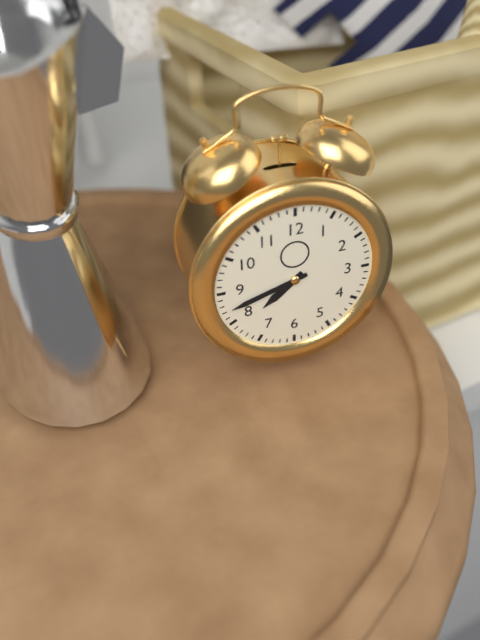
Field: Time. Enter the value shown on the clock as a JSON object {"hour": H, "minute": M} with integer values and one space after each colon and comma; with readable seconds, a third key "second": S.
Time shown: {"hour": 7, "minute": 42}
